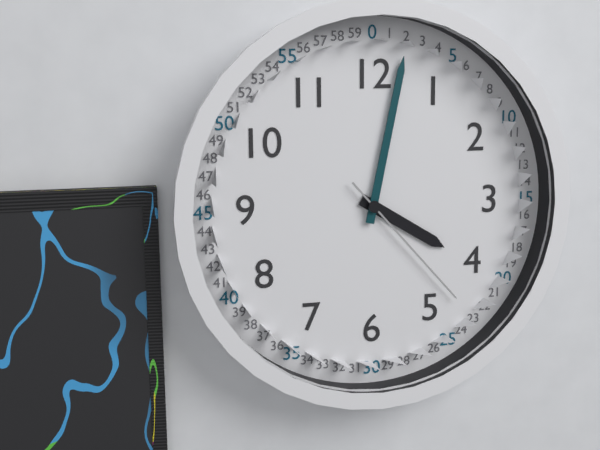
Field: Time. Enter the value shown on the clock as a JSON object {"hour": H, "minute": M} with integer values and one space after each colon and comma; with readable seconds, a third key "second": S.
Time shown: {"hour": 4, "minute": 2, "second": 23}
